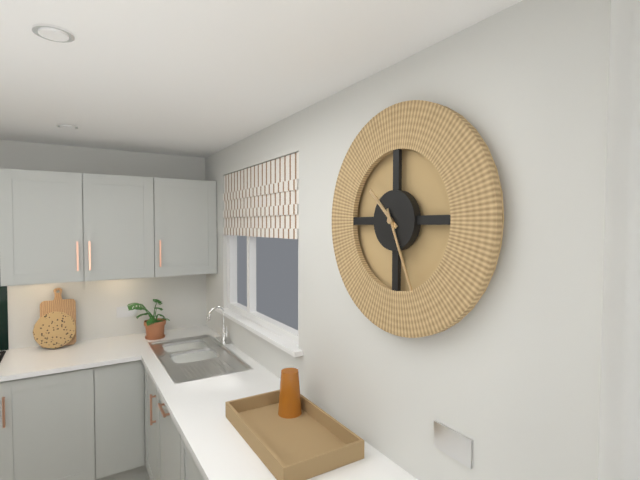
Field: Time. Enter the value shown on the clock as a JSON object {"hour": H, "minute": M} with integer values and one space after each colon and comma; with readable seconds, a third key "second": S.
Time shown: {"hour": 10, "minute": 26}
